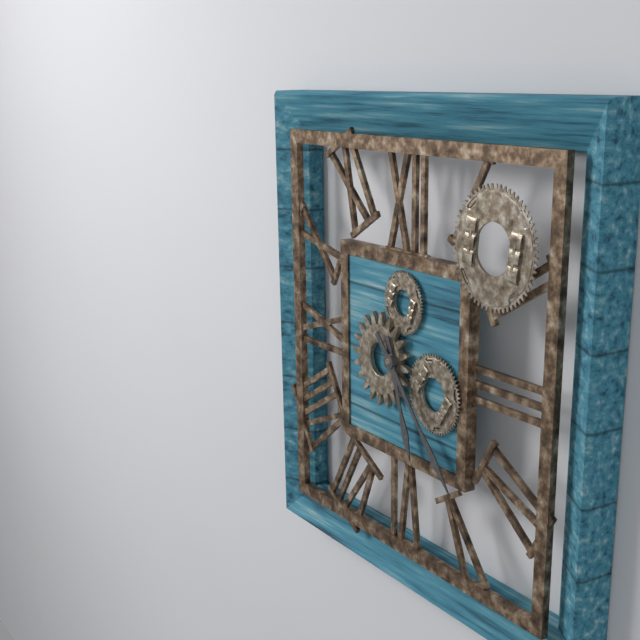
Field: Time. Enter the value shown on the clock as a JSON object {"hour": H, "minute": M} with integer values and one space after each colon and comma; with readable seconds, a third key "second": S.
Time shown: {"hour": 5, "minute": 23}
